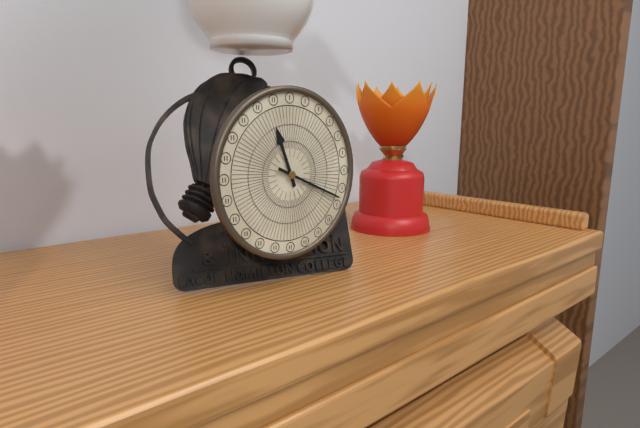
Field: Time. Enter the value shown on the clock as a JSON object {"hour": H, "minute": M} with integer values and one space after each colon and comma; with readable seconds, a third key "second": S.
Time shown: {"hour": 11, "minute": 19}
